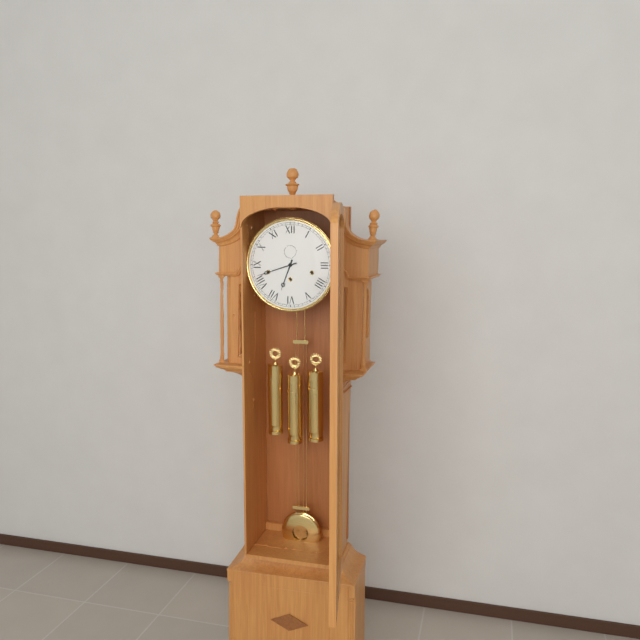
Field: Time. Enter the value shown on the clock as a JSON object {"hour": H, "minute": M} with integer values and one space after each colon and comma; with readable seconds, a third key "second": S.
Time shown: {"hour": 6, "minute": 42}
